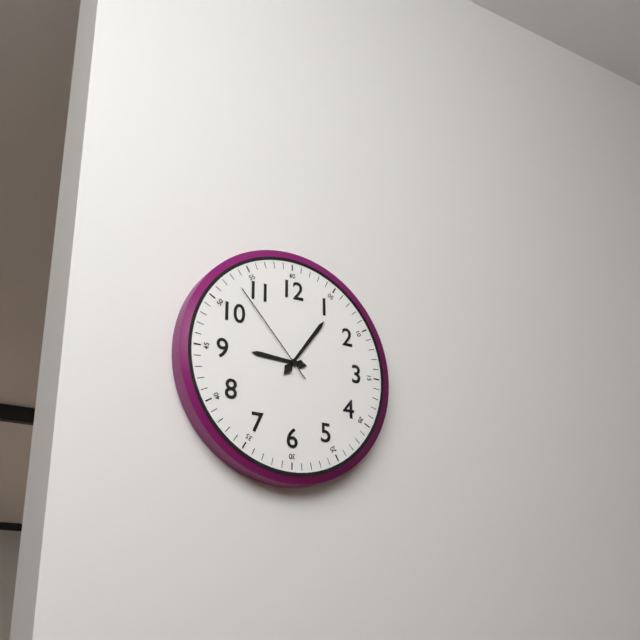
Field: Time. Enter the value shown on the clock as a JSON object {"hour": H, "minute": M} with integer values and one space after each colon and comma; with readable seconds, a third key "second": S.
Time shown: {"hour": 9, "minute": 6, "second": 53}
